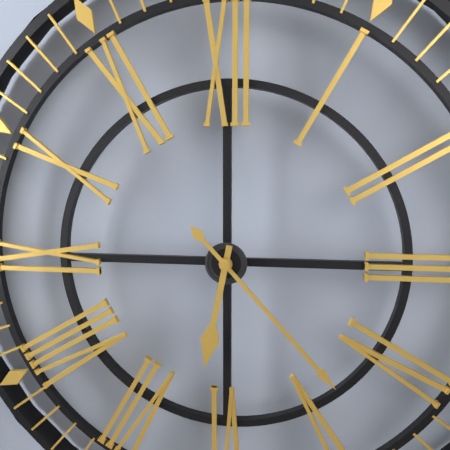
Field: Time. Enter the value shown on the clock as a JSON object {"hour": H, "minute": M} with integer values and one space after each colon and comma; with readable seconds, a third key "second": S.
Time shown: {"hour": 6, "minute": 23}
